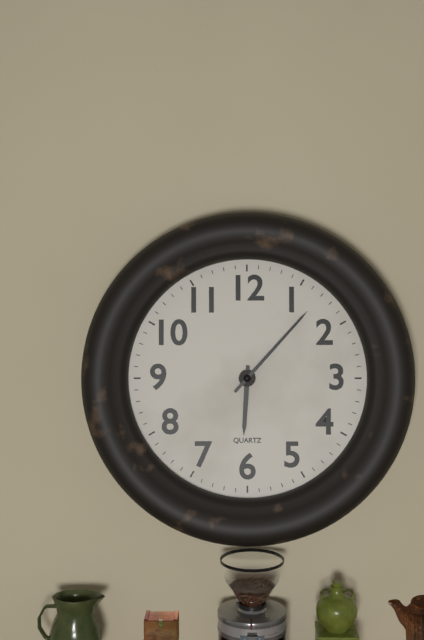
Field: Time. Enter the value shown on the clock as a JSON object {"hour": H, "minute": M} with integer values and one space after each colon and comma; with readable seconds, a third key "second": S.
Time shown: {"hour": 6, "minute": 7}
